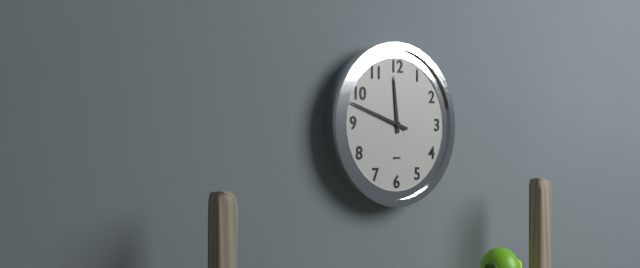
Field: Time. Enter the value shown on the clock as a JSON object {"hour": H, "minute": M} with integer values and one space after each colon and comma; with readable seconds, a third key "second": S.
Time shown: {"hour": 11, "minute": 48}
